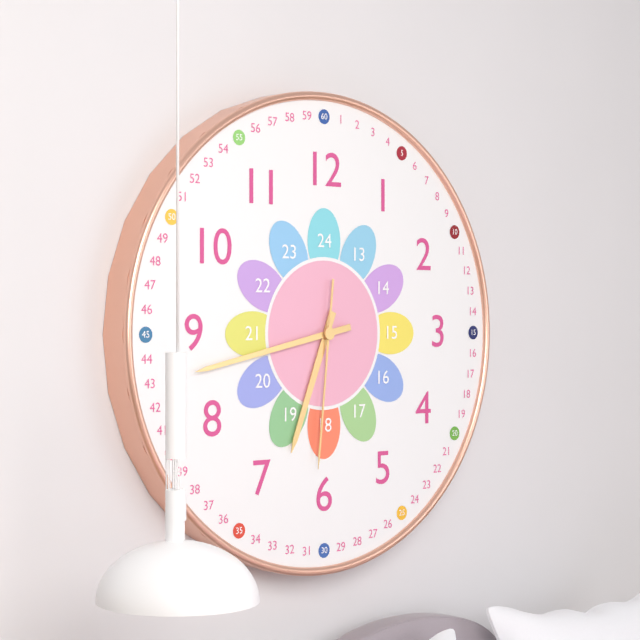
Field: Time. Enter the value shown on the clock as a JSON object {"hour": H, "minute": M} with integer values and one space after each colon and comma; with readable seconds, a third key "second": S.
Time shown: {"hour": 6, "minute": 43, "second": 31}
